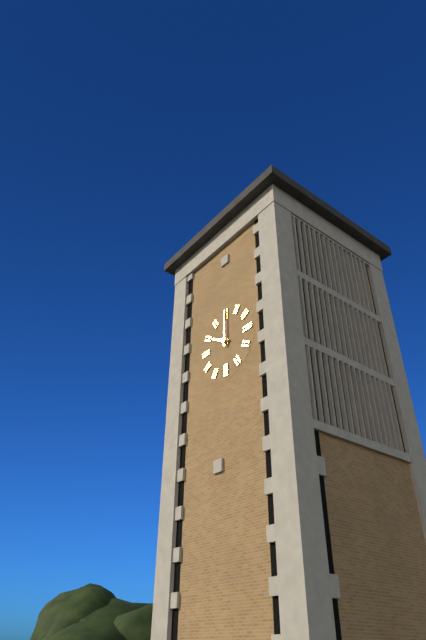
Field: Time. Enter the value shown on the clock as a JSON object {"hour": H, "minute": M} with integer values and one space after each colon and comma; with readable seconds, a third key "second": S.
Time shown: {"hour": 10, "minute": 0}
